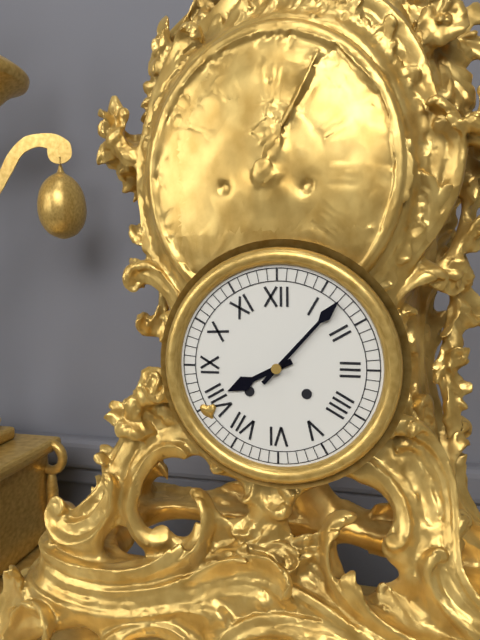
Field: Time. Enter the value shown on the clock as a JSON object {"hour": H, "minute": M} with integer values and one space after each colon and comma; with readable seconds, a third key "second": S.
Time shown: {"hour": 8, "minute": 7}
